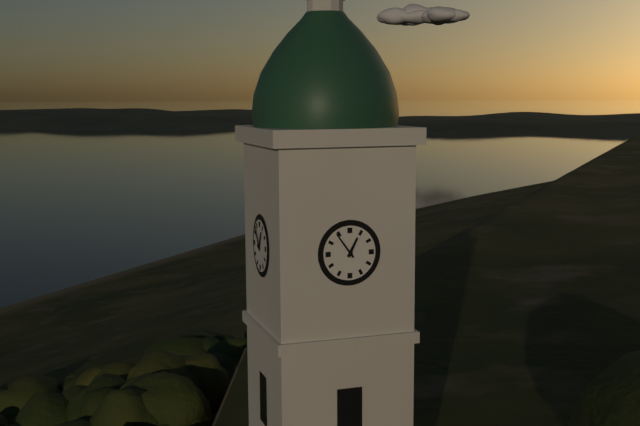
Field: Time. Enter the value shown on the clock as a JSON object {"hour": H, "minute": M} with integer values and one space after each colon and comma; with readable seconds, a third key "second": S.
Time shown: {"hour": 12, "minute": 54}
